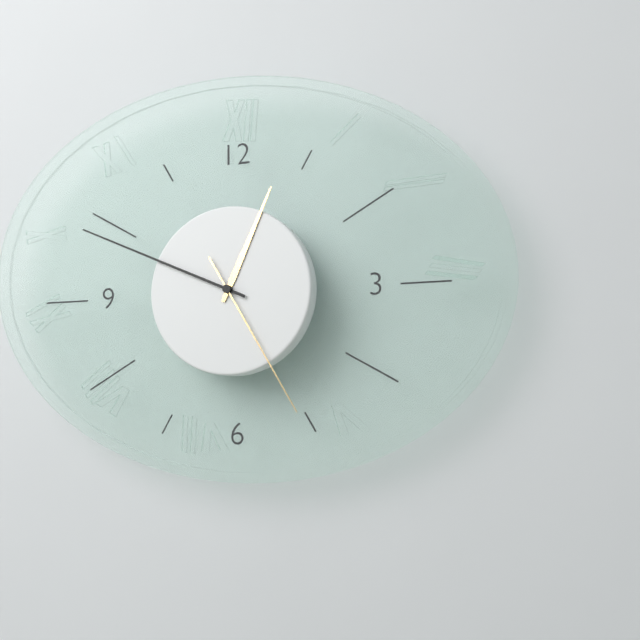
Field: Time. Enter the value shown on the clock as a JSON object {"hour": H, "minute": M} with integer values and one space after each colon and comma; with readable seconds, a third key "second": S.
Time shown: {"hour": 12, "minute": 49, "second": 25}
